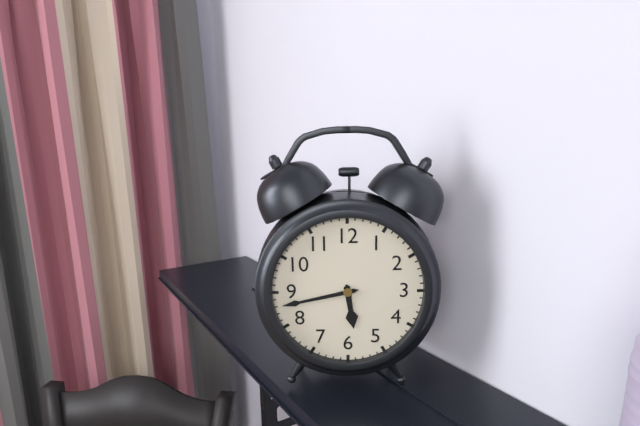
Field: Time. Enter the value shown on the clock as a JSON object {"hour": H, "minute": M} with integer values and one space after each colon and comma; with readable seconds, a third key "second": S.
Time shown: {"hour": 5, "minute": 43}
